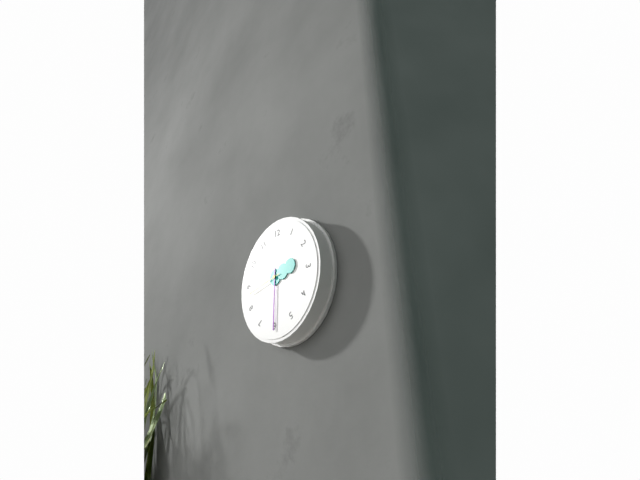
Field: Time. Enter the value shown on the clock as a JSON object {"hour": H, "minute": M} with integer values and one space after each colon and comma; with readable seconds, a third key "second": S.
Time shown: {"hour": 2, "minute": 30, "second": 43}
